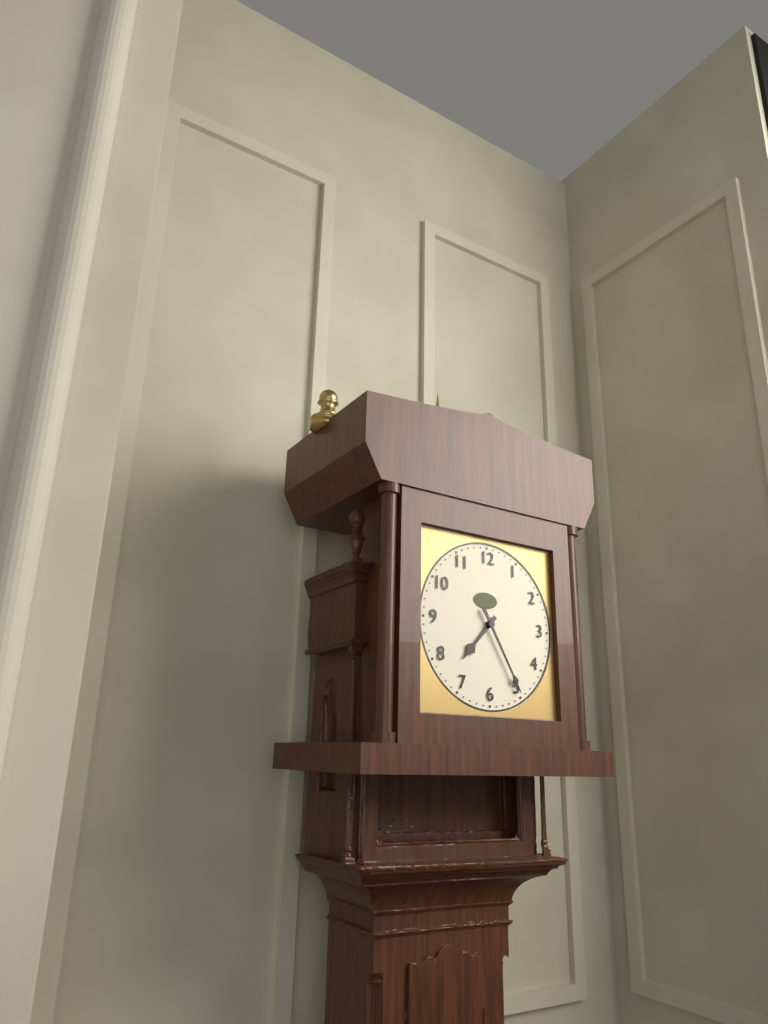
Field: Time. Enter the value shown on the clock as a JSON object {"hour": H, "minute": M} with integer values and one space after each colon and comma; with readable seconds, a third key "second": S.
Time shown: {"hour": 7, "minute": 25}
